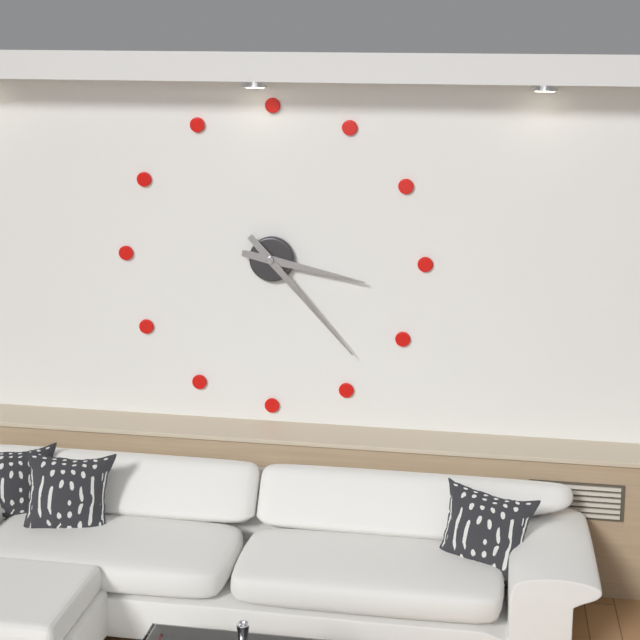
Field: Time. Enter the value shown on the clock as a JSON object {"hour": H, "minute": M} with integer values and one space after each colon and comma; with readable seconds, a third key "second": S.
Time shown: {"hour": 3, "minute": 23}
